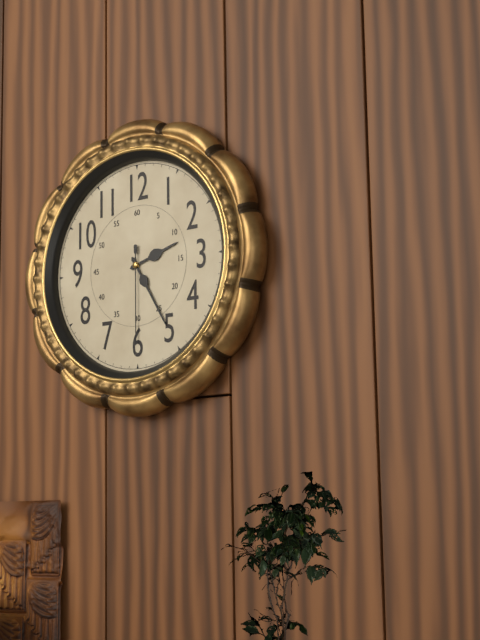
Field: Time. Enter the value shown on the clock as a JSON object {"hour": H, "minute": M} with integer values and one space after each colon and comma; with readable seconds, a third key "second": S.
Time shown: {"hour": 2, "minute": 25, "second": 30}
